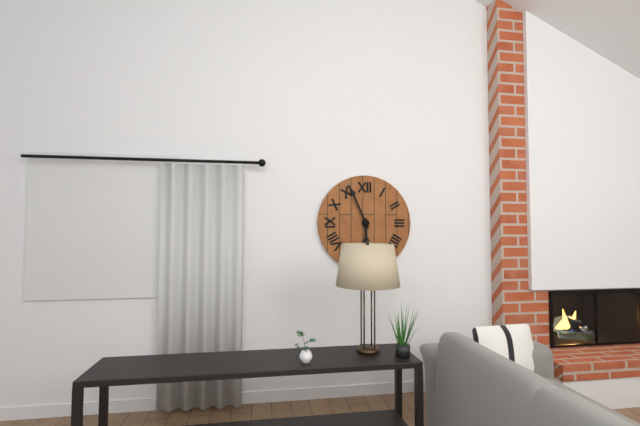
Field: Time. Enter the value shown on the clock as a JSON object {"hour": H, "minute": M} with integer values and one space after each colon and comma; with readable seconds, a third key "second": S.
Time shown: {"hour": 5, "minute": 56}
